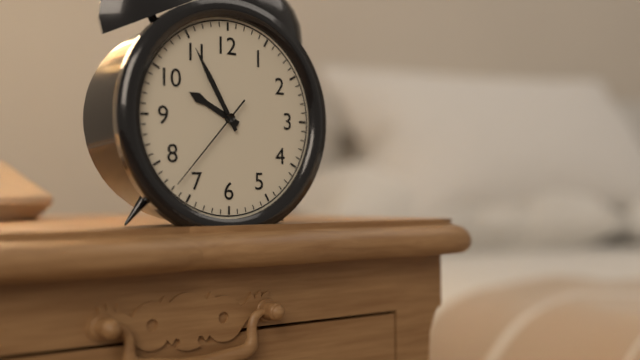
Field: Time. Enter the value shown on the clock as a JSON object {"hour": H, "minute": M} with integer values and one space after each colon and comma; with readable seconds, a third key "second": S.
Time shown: {"hour": 9, "minute": 55, "second": 37}
